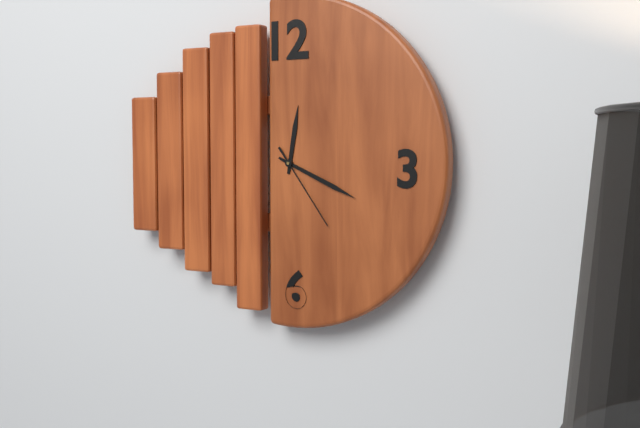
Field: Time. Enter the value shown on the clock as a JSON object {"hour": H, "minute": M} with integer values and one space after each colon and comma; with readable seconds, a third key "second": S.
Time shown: {"hour": 12, "minute": 19, "second": 24}
